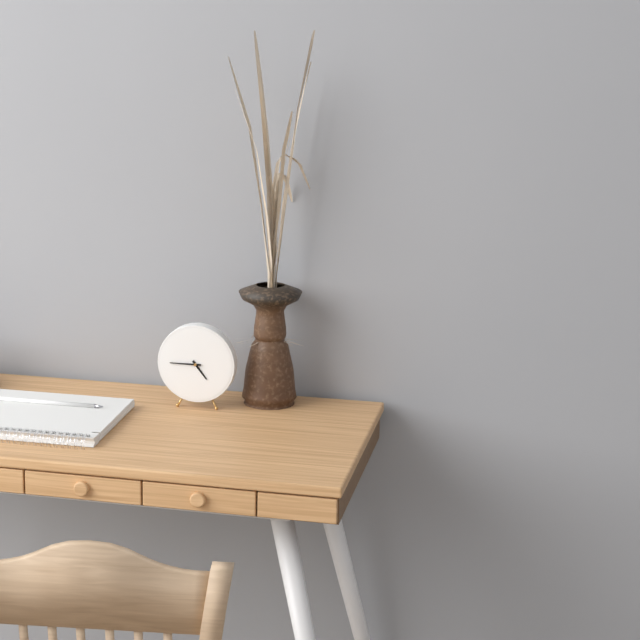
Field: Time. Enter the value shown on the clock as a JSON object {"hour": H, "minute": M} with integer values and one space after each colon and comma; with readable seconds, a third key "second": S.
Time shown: {"hour": 4, "minute": 45}
